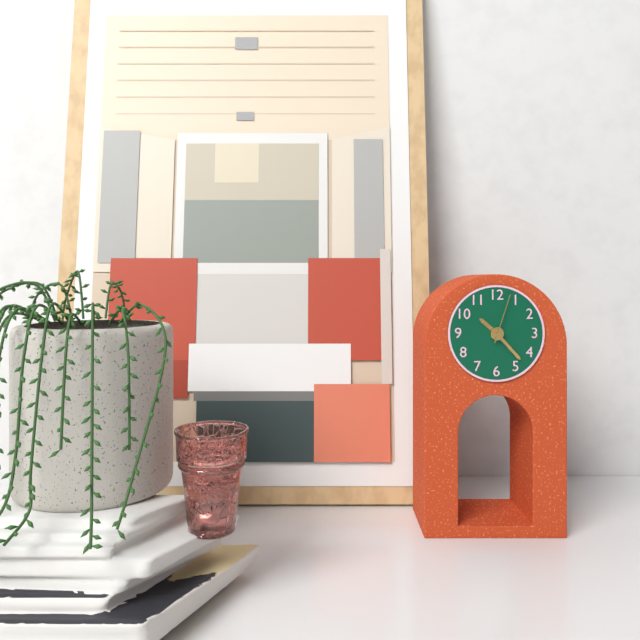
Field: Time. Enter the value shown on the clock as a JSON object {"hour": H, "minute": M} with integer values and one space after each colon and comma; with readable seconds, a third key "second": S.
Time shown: {"hour": 10, "minute": 23, "second": 3}
